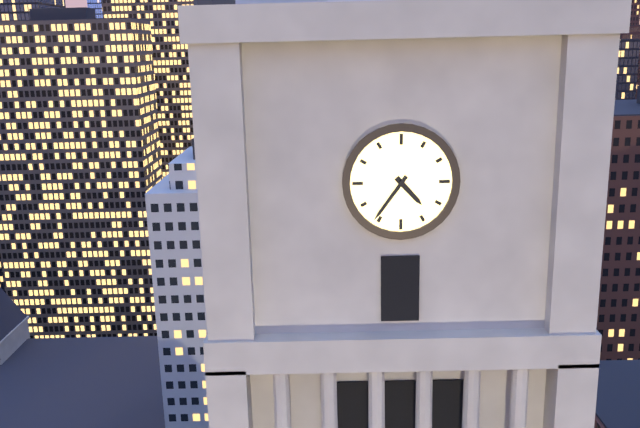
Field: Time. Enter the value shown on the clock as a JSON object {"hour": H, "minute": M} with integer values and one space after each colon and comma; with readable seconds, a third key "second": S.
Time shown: {"hour": 4, "minute": 36}
